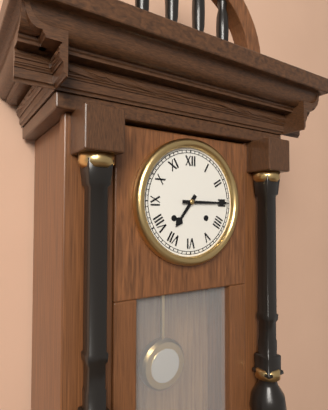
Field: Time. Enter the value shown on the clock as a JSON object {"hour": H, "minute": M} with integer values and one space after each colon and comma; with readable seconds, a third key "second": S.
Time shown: {"hour": 7, "minute": 15}
